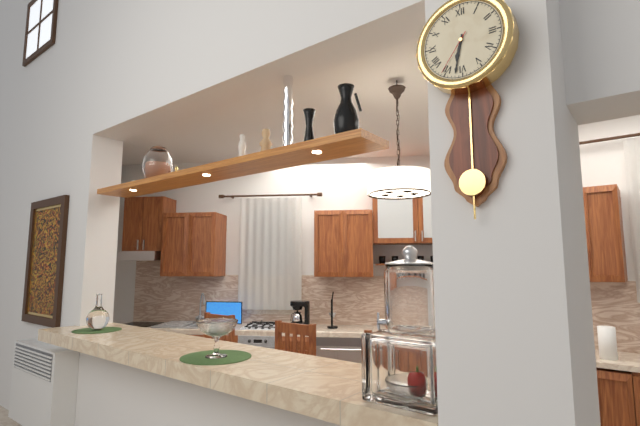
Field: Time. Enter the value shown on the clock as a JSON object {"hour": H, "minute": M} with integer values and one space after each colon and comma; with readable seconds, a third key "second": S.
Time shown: {"hour": 6, "minute": 32}
